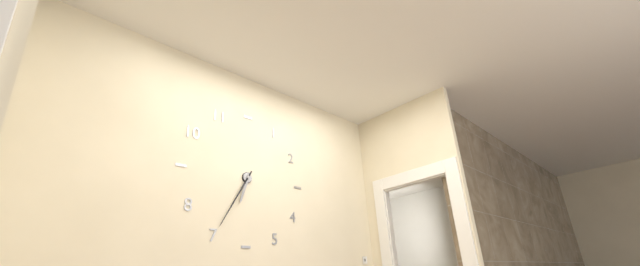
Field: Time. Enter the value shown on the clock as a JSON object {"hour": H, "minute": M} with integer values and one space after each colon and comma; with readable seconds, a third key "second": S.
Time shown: {"hour": 6, "minute": 35}
